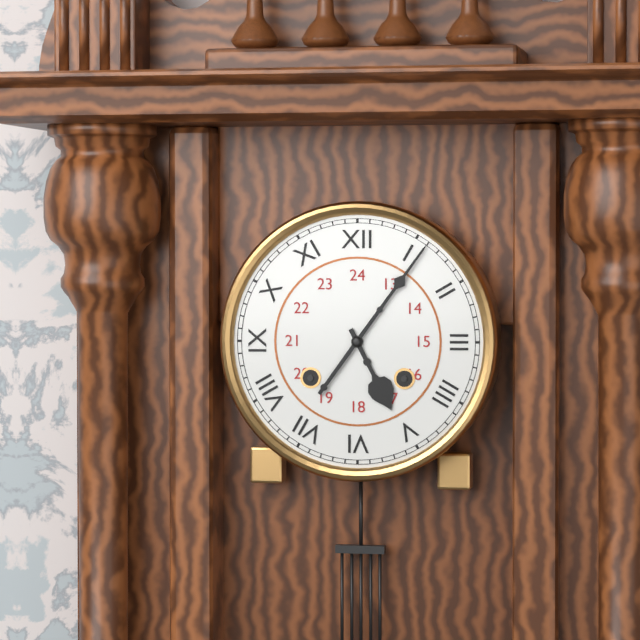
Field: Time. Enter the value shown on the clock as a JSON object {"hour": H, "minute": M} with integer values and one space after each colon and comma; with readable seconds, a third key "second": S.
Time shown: {"hour": 5, "minute": 6}
